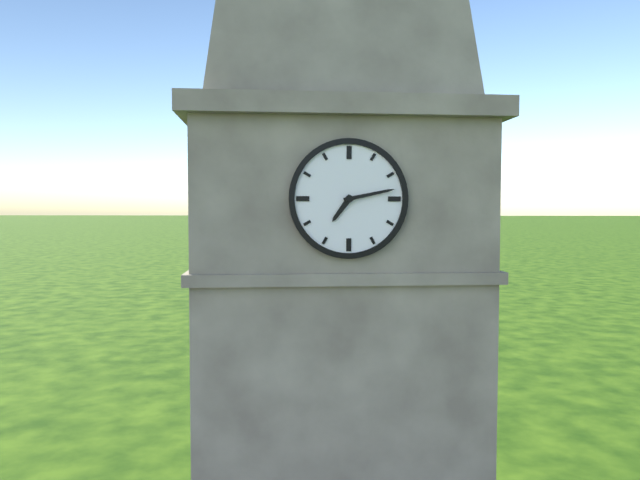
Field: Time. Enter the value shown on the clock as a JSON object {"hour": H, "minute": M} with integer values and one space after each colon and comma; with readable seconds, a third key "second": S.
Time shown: {"hour": 7, "minute": 13}
